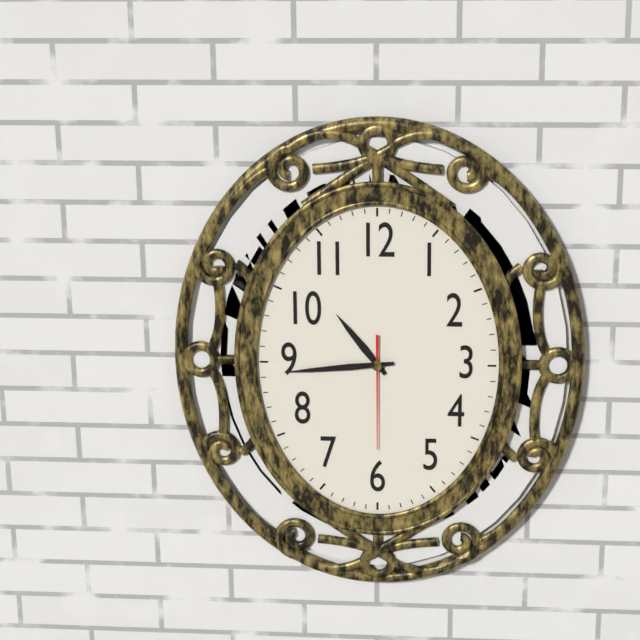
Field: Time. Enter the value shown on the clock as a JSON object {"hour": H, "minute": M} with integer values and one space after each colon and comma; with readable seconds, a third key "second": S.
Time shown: {"hour": 10, "minute": 44, "second": 30}
